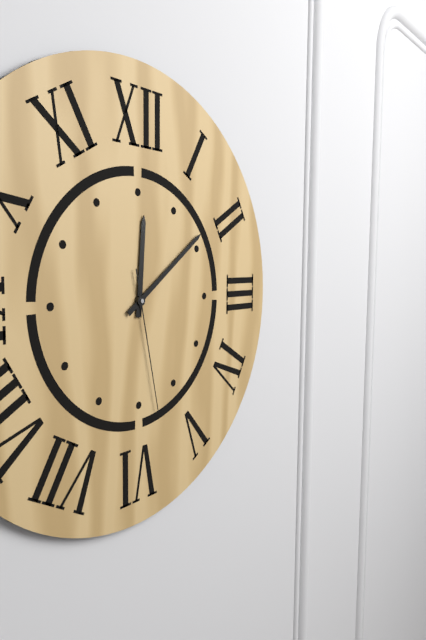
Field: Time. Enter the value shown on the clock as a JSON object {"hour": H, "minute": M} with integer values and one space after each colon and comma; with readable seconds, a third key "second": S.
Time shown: {"hour": 12, "minute": 9, "second": 28}
